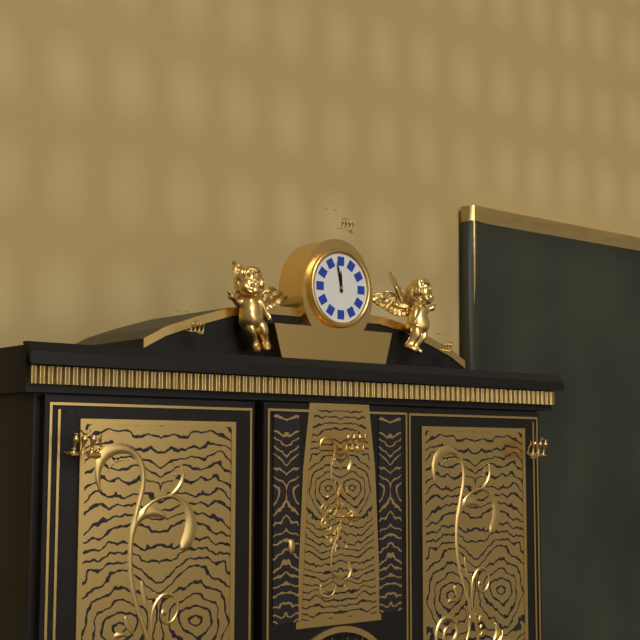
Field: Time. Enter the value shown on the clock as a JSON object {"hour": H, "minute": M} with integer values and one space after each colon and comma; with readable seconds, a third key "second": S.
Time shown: {"hour": 11, "minute": 58}
